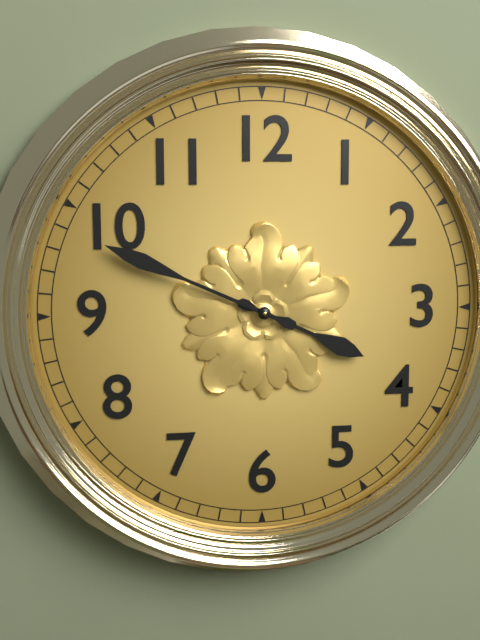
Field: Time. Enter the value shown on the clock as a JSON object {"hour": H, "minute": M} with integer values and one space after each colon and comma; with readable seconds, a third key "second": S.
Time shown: {"hour": 3, "minute": 49}
